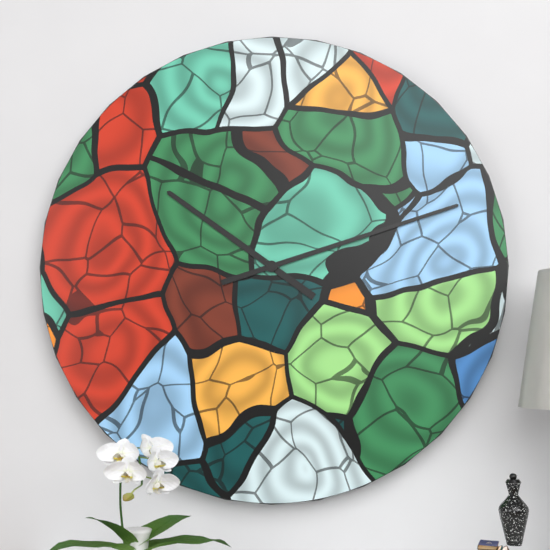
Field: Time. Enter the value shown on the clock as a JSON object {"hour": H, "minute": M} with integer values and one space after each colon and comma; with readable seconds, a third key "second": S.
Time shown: {"hour": 10, "minute": 12}
